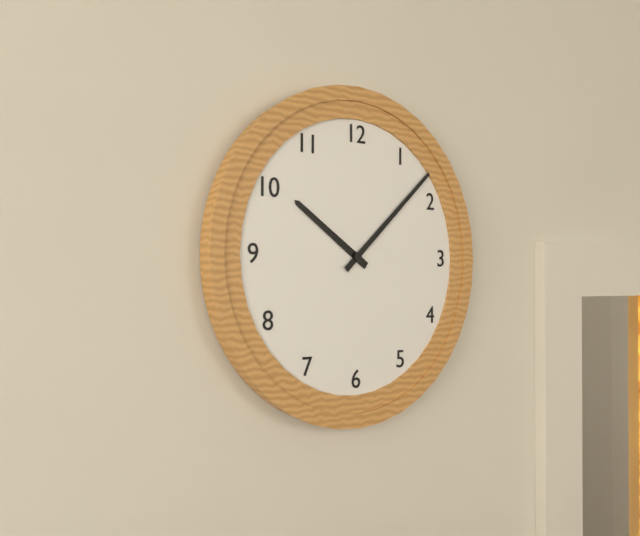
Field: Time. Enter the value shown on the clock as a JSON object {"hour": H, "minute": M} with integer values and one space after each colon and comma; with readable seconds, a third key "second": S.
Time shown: {"hour": 10, "minute": 8}
